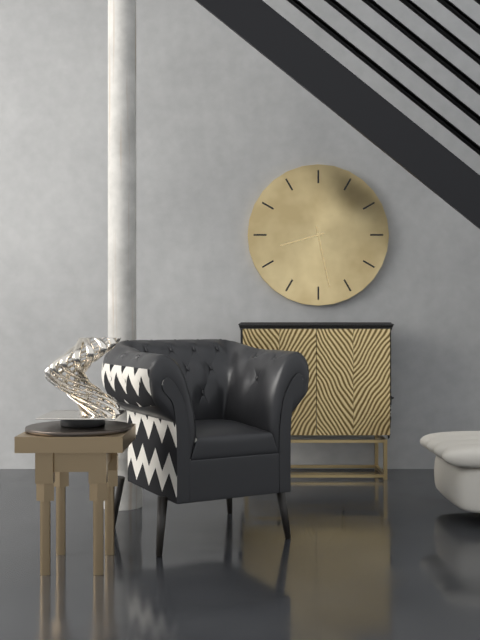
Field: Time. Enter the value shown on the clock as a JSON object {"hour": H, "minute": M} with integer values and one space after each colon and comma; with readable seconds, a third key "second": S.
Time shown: {"hour": 8, "minute": 28}
